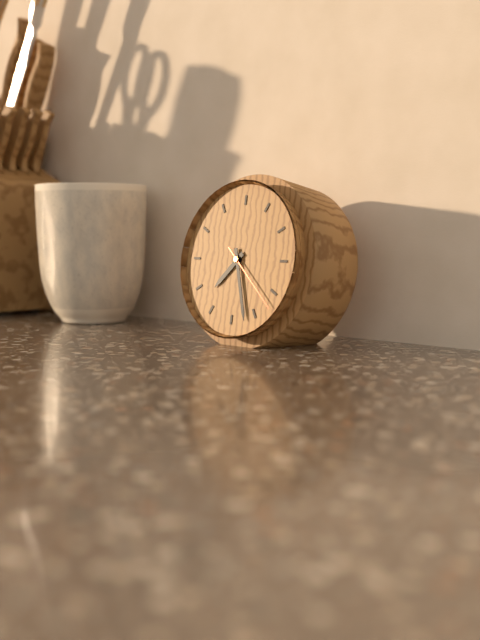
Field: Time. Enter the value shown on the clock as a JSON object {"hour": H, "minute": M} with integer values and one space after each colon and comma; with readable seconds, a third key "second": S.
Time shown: {"hour": 7, "minute": 27, "second": 22}
